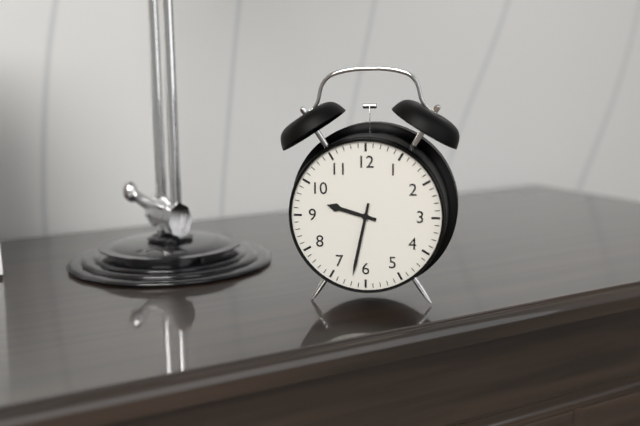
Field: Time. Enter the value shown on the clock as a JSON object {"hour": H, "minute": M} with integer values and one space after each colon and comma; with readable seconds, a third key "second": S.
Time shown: {"hour": 9, "minute": 32}
